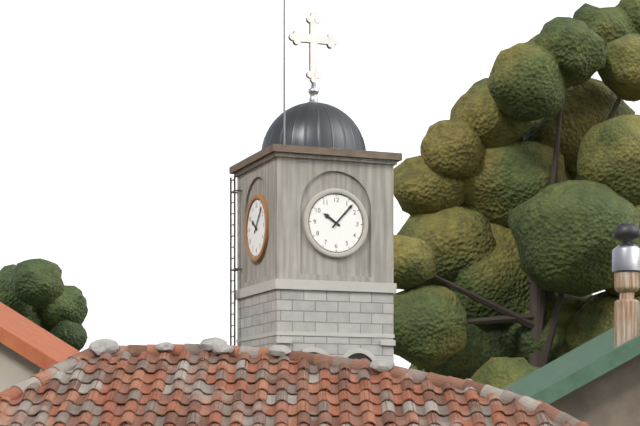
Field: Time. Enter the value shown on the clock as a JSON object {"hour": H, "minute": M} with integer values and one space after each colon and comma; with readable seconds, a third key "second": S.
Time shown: {"hour": 10, "minute": 7}
